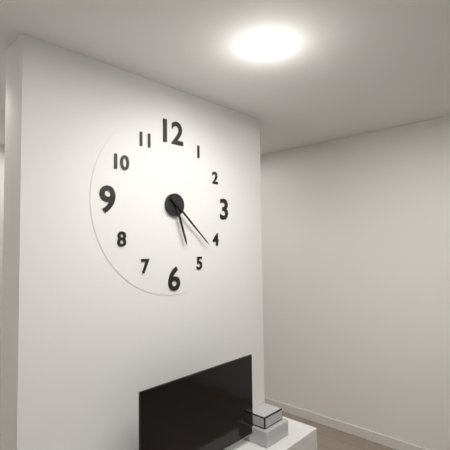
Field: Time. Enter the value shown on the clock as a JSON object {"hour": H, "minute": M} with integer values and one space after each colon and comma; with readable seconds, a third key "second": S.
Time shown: {"hour": 5, "minute": 22}
